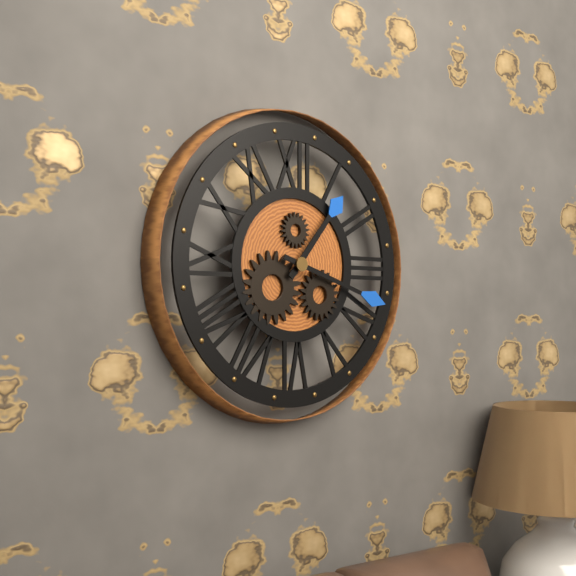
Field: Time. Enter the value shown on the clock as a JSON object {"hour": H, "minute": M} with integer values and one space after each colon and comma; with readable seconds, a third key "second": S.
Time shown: {"hour": 1, "minute": 18}
